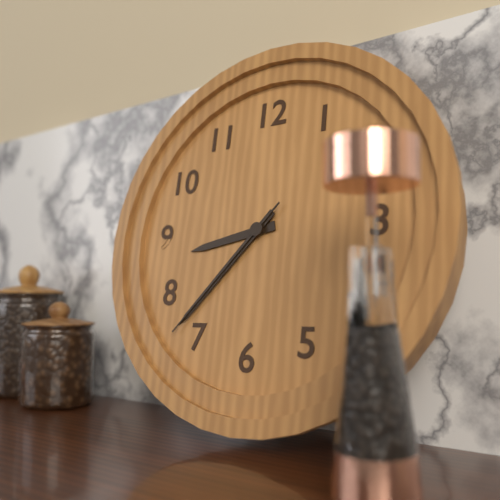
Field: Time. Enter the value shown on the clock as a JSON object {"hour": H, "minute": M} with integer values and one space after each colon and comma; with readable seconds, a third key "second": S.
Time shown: {"hour": 8, "minute": 37, "second": 37}
